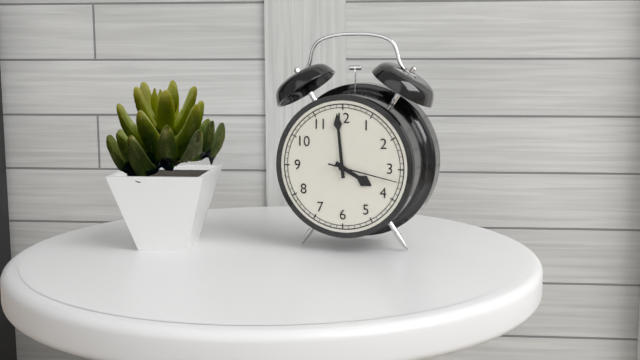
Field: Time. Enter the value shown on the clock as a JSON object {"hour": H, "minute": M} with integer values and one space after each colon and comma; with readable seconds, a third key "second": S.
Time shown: {"hour": 3, "minute": 59, "second": 17}
